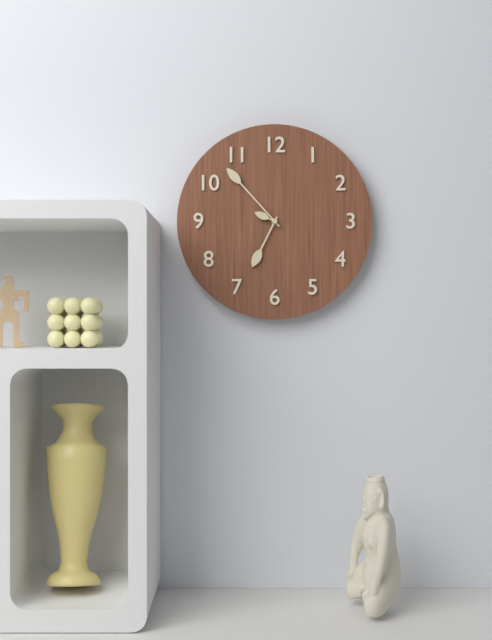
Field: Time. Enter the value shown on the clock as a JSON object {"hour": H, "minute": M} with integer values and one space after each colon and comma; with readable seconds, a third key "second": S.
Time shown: {"hour": 6, "minute": 53}
